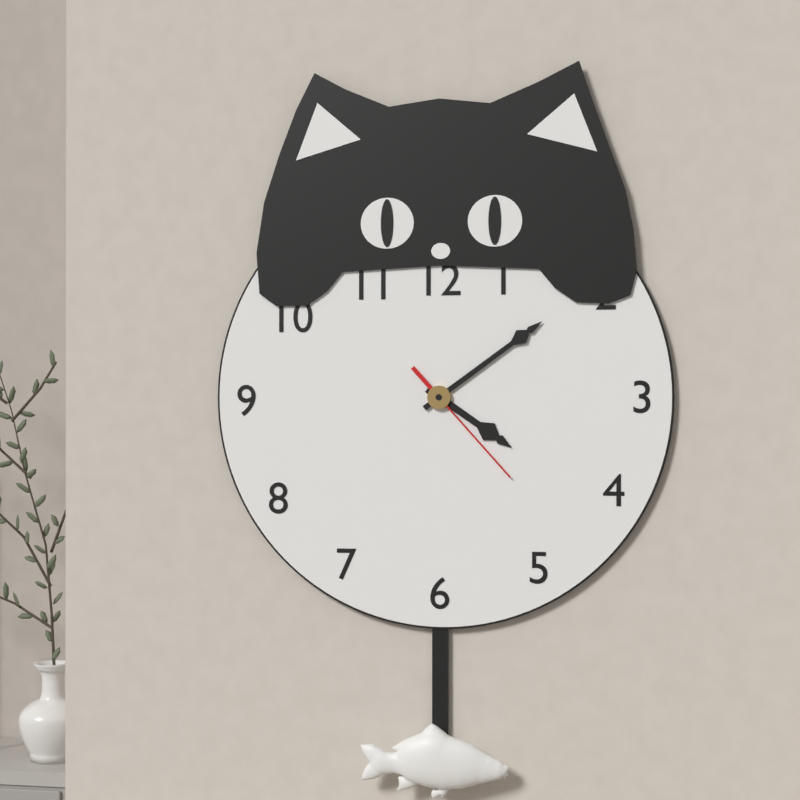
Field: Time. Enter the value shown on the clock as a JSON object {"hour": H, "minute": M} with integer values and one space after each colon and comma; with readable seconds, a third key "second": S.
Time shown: {"hour": 4, "minute": 9, "second": 23}
